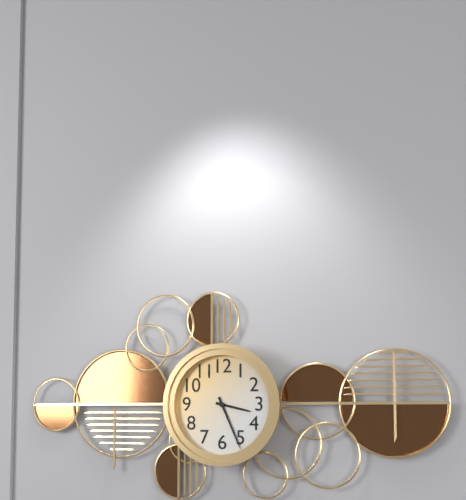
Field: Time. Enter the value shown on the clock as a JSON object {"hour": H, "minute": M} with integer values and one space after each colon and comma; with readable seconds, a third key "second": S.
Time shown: {"hour": 3, "minute": 26}
